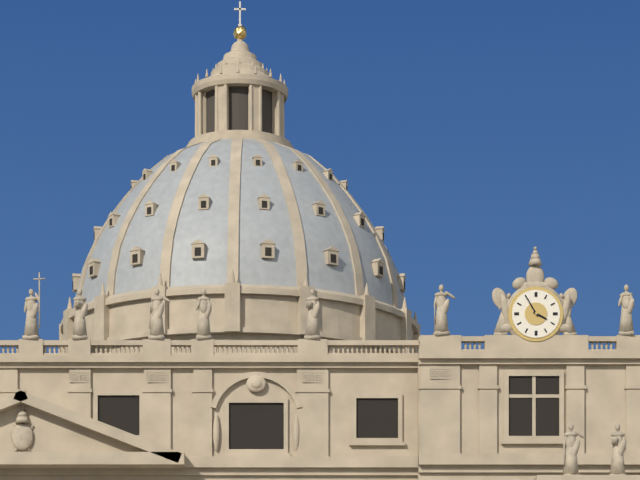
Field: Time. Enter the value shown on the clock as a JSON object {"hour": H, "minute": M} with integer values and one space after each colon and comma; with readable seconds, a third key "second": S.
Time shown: {"hour": 3, "minute": 55}
